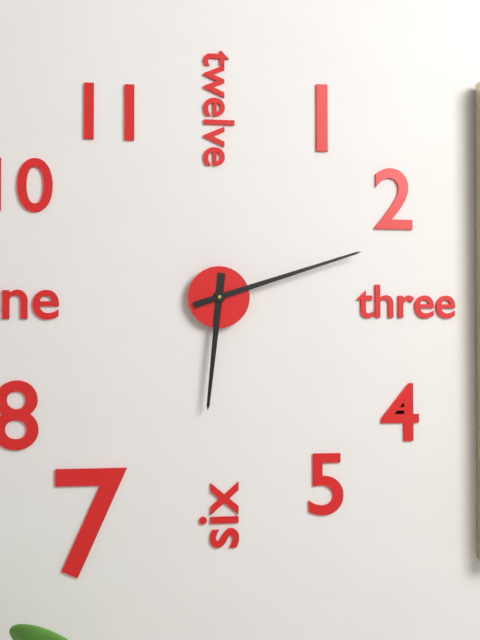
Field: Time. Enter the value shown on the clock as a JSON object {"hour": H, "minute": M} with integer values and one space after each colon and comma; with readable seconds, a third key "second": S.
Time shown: {"hour": 6, "minute": 12}
